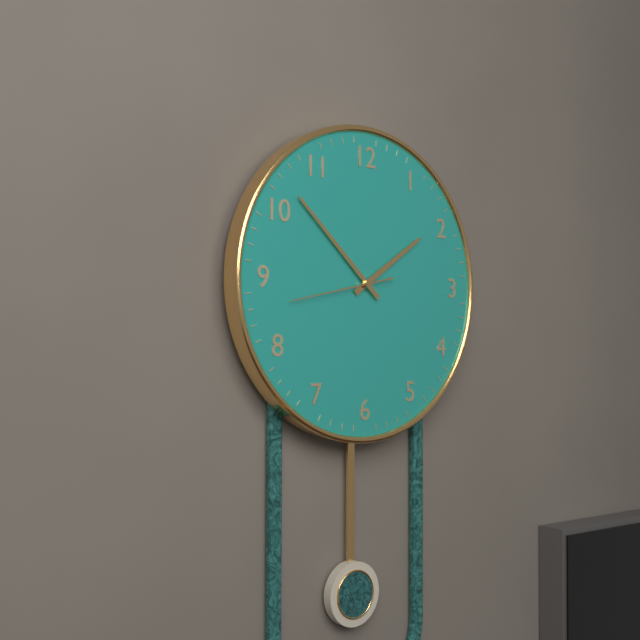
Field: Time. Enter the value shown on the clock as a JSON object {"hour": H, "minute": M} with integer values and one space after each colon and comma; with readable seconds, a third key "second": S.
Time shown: {"hour": 1, "minute": 52, "second": 43}
